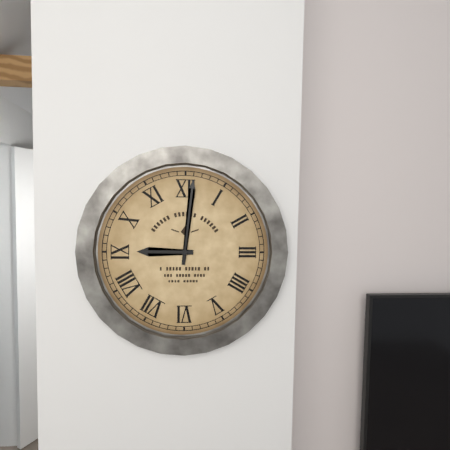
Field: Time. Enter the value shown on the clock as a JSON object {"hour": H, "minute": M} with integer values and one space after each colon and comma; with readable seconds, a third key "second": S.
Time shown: {"hour": 9, "minute": 1}
